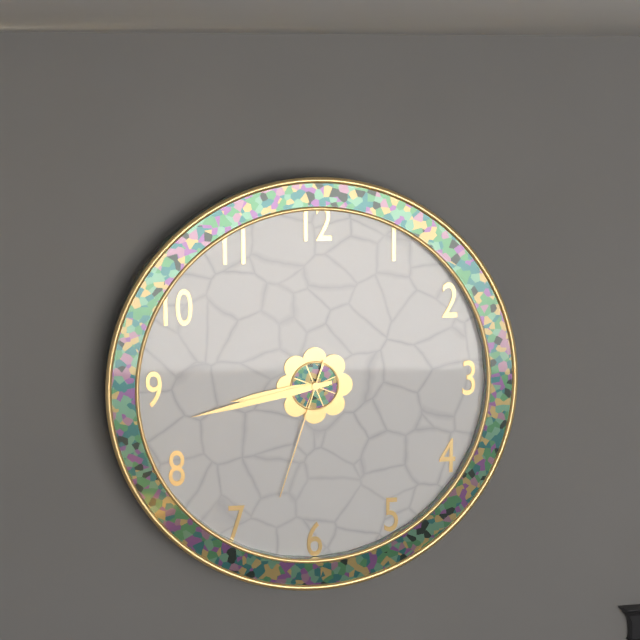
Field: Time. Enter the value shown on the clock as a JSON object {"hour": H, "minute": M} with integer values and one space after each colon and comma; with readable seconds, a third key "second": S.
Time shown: {"hour": 8, "minute": 43, "second": 33}
